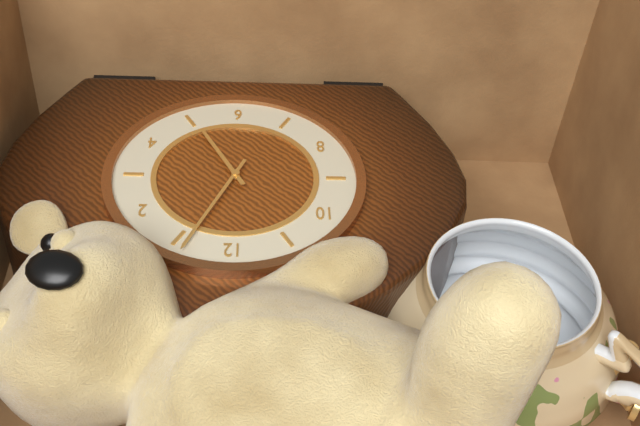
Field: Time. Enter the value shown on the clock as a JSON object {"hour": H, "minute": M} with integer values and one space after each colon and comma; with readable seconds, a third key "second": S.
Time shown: {"hour": 5, "minute": 4}
